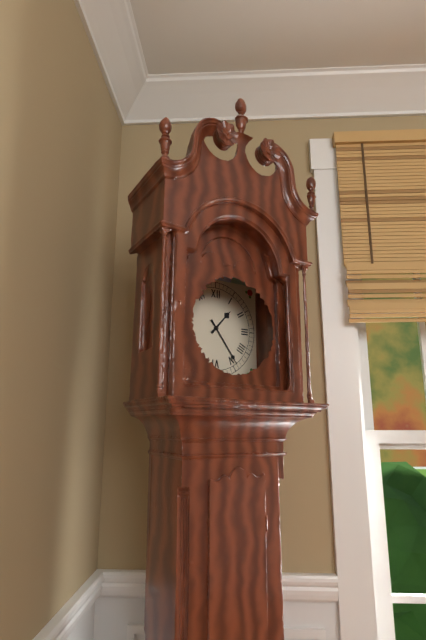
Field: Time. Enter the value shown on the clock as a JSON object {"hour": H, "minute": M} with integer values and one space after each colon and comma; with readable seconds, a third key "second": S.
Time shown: {"hour": 1, "minute": 24}
